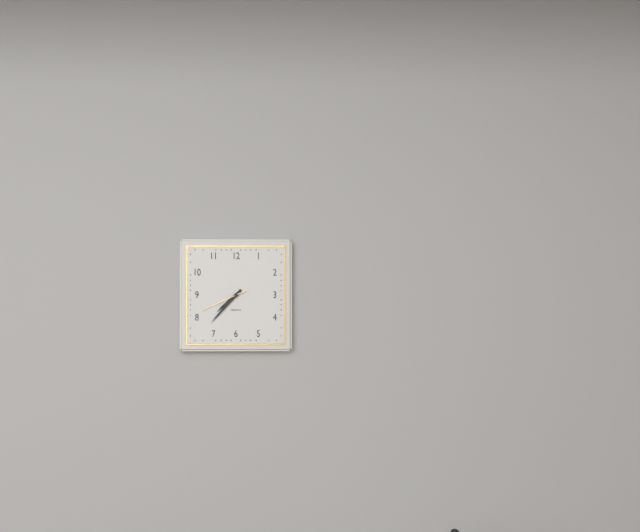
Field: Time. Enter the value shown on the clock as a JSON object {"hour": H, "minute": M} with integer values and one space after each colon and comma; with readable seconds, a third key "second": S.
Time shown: {"hour": 7, "minute": 37}
